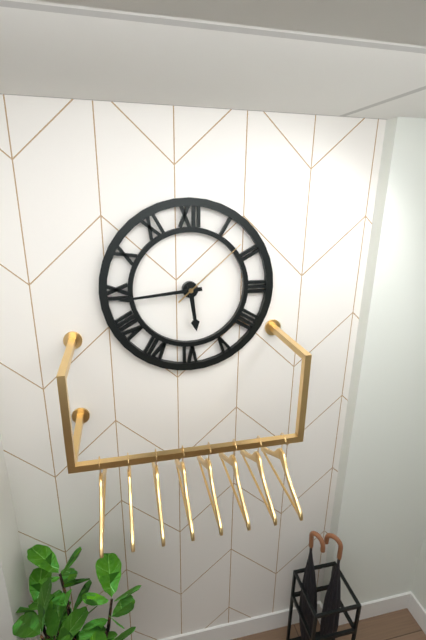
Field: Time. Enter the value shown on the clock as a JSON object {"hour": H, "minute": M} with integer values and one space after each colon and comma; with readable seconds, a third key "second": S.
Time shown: {"hour": 5, "minute": 44, "second": 8}
